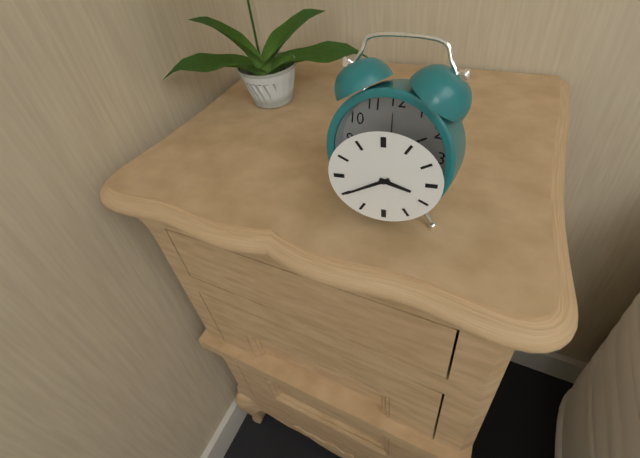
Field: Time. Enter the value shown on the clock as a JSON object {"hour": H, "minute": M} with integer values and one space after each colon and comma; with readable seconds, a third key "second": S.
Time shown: {"hour": 3, "minute": 40}
